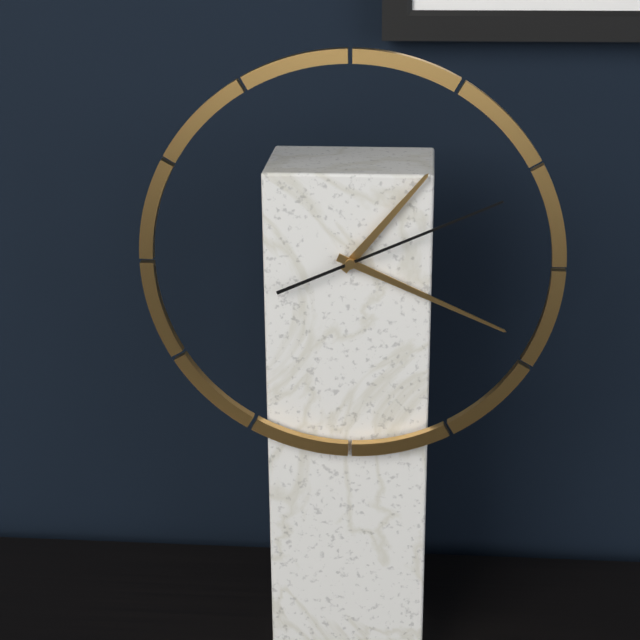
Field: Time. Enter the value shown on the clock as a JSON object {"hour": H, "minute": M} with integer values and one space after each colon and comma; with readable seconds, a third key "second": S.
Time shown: {"hour": 1, "minute": 19, "second": 11}
